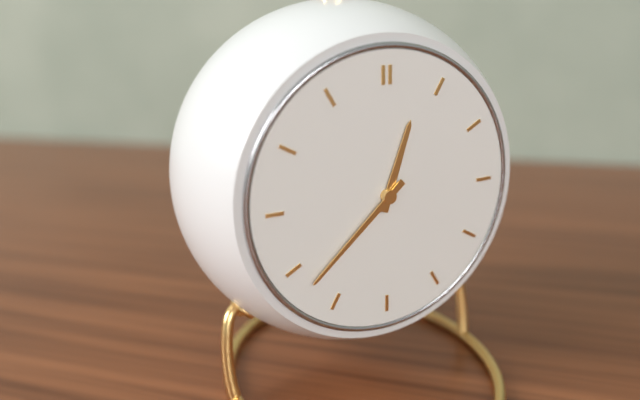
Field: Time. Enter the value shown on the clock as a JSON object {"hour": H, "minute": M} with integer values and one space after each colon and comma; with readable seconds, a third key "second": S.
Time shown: {"hour": 12, "minute": 38}
